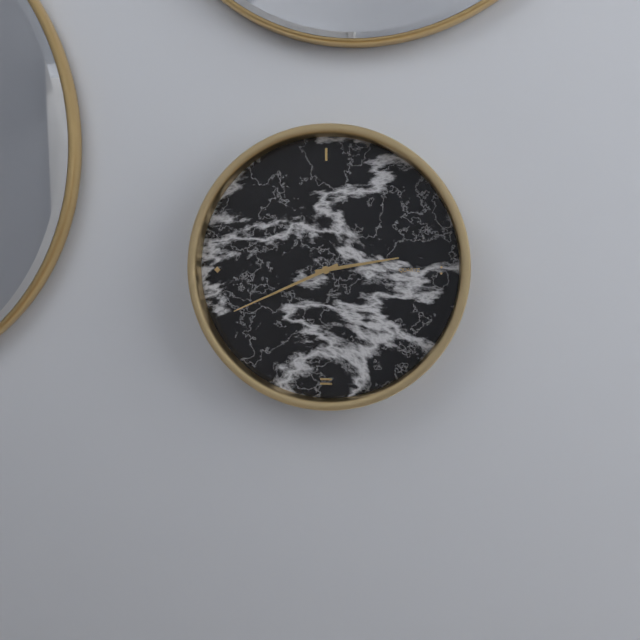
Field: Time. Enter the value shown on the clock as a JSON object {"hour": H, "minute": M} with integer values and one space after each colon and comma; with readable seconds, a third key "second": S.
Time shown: {"hour": 2, "minute": 41}
